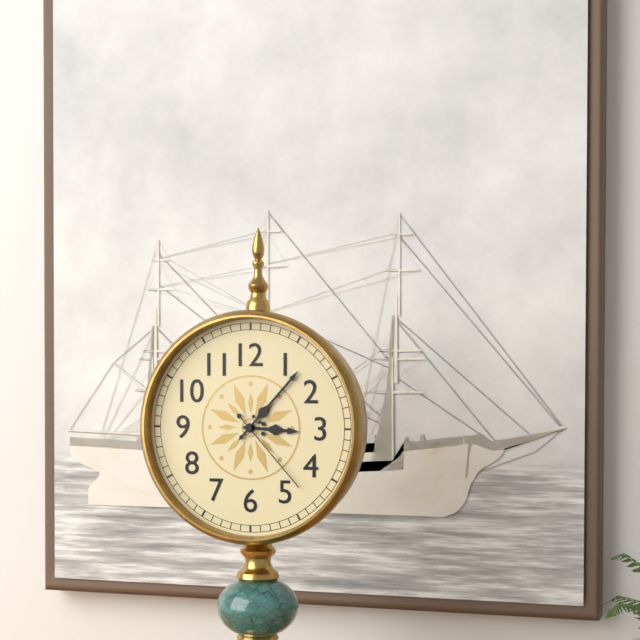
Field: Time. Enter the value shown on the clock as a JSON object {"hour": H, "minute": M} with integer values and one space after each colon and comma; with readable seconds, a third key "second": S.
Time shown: {"hour": 3, "minute": 7, "second": 23}
